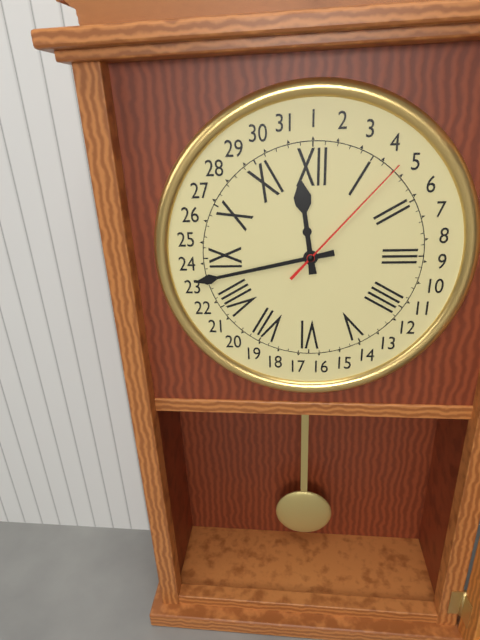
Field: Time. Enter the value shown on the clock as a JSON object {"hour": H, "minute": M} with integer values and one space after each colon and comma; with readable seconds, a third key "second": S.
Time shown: {"hour": 11, "minute": 43, "second": 7}
